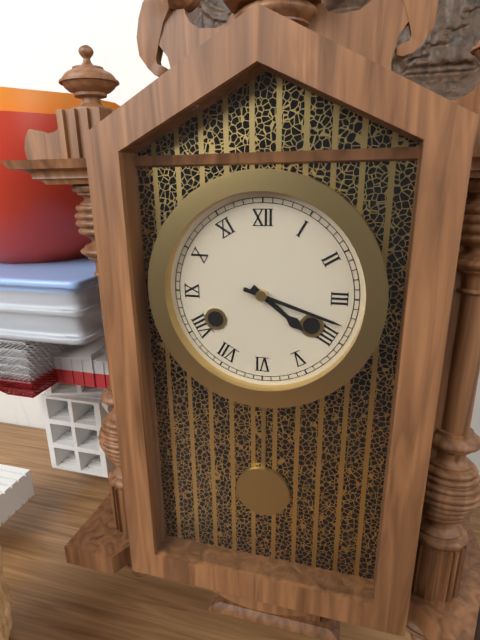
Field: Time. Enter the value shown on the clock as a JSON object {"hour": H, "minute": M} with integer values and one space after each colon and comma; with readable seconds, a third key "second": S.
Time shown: {"hour": 4, "minute": 18}
